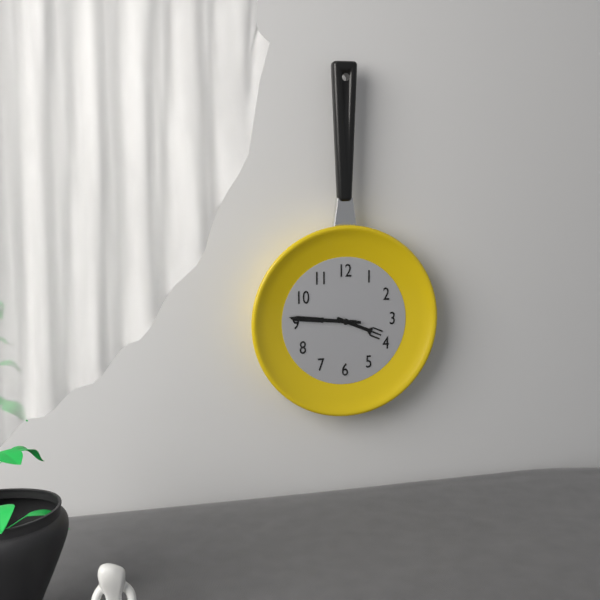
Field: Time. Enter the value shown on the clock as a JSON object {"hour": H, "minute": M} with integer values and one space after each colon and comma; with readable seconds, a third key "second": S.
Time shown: {"hour": 3, "minute": 46, "second": 46}
